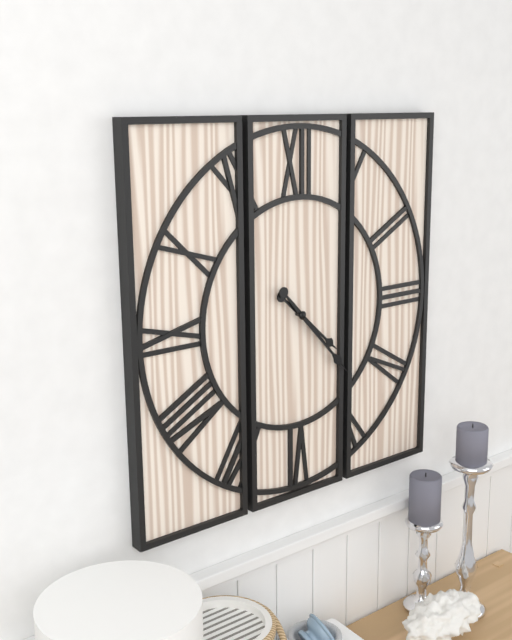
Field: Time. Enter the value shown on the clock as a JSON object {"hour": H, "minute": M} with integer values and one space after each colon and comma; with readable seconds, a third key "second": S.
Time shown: {"hour": 4, "minute": 23}
